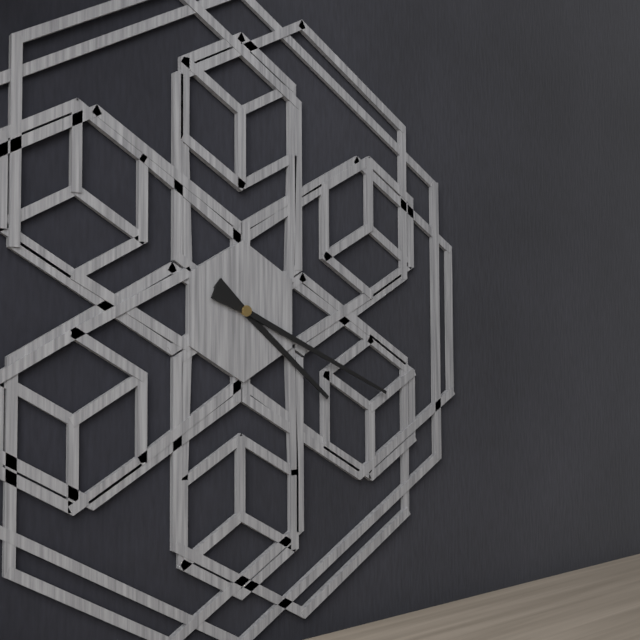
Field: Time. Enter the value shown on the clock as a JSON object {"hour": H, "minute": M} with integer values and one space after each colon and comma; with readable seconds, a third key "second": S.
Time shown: {"hour": 4, "minute": 19}
